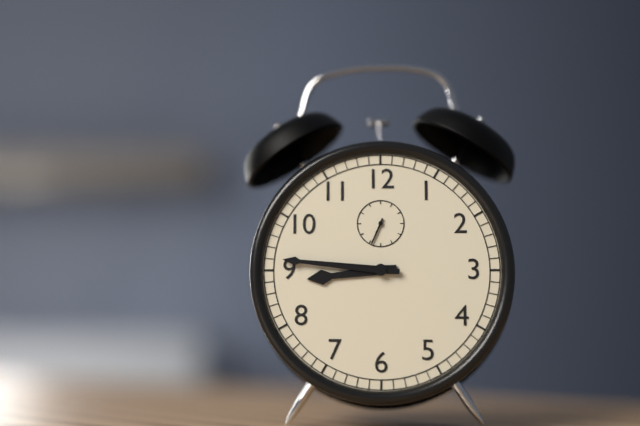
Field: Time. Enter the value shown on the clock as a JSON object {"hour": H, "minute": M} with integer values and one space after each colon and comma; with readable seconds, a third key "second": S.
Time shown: {"hour": 8, "minute": 46}
